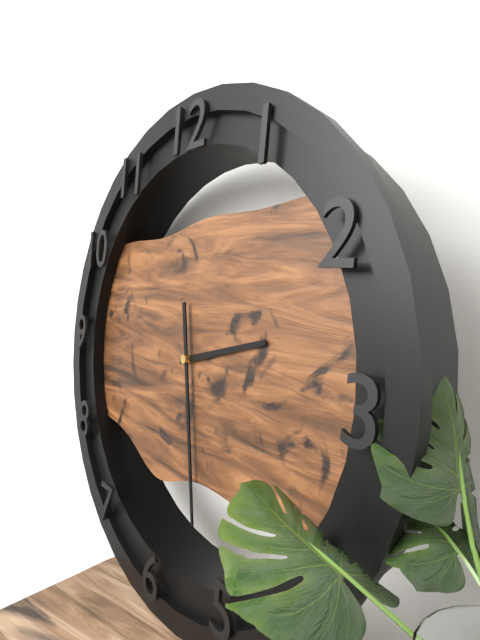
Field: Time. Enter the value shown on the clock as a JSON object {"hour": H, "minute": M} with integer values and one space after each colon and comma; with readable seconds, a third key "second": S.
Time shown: {"hour": 2, "minute": 28}
